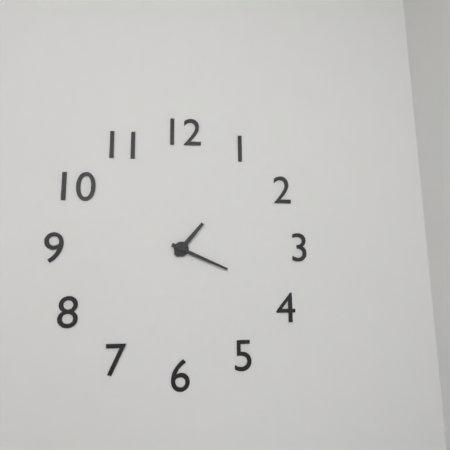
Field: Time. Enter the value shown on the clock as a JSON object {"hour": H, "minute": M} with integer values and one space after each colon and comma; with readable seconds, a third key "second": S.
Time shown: {"hour": 1, "minute": 19}
